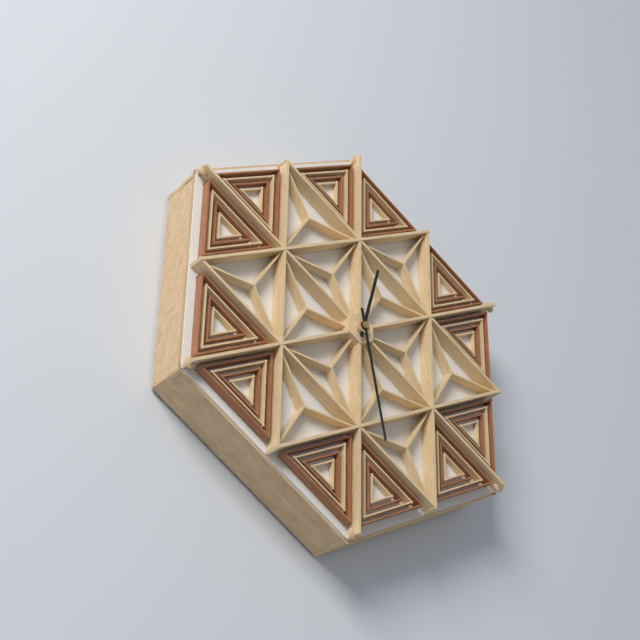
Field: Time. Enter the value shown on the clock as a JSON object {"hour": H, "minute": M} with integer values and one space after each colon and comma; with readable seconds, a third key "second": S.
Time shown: {"hour": 12, "minute": 28}
